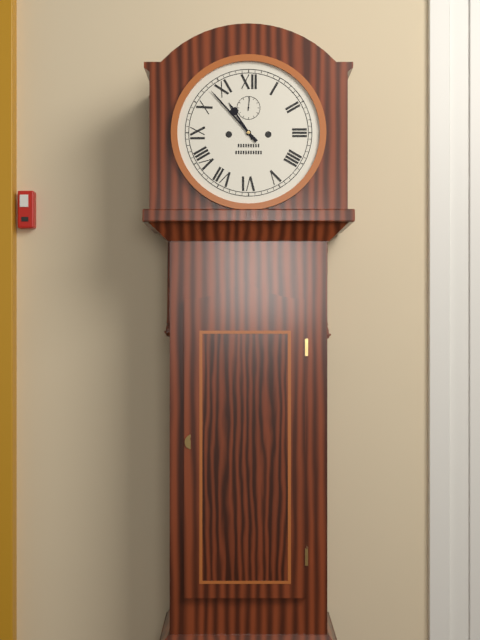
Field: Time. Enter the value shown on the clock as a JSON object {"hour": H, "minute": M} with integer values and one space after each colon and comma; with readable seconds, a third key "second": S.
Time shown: {"hour": 10, "minute": 53}
